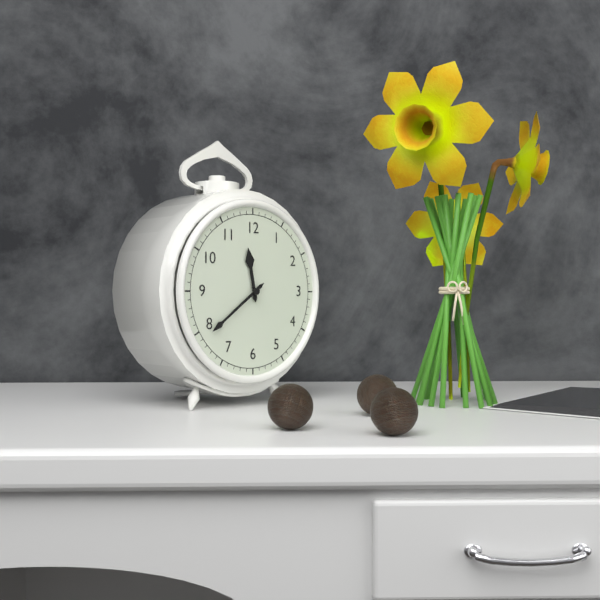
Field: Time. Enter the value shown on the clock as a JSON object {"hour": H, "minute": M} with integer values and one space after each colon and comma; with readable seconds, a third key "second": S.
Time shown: {"hour": 11, "minute": 39}
